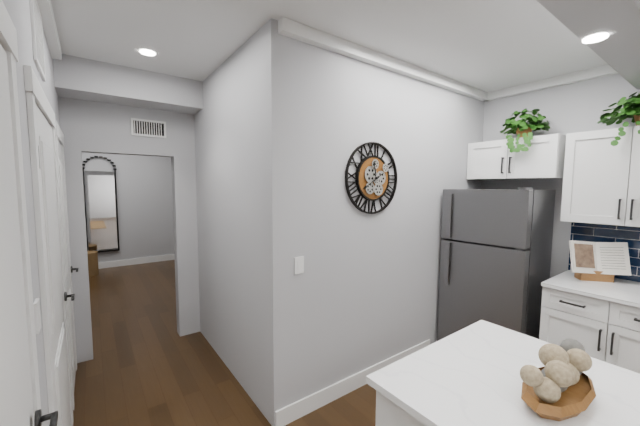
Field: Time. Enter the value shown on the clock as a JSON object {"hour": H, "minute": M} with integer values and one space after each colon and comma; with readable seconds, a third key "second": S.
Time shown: {"hour": 11, "minute": 40}
